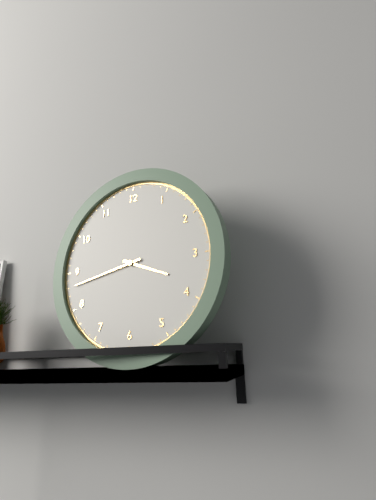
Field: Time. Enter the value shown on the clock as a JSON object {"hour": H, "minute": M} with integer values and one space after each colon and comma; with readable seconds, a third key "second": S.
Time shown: {"hour": 3, "minute": 43}
